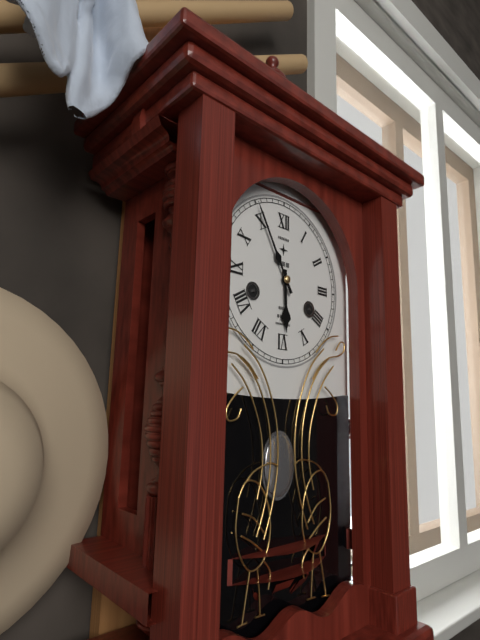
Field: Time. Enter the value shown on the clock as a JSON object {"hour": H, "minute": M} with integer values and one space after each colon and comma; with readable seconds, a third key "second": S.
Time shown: {"hour": 5, "minute": 55}
